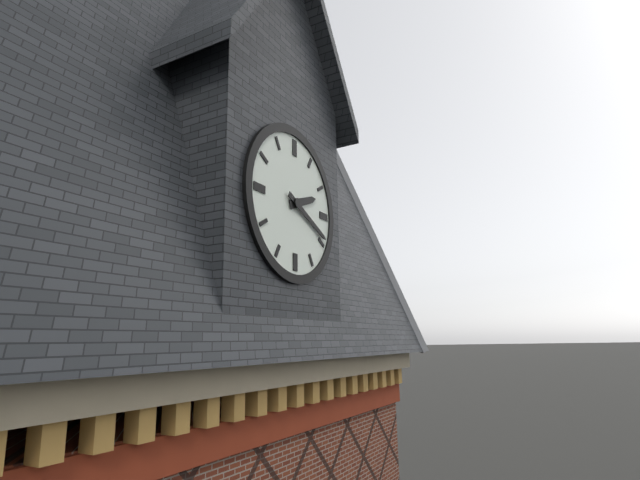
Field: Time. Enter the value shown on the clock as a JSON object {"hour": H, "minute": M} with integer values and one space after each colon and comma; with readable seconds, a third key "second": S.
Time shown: {"hour": 2, "minute": 19}
